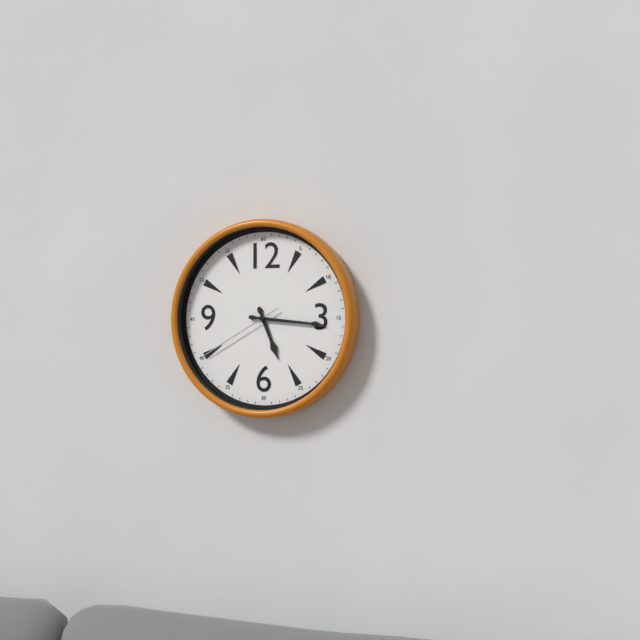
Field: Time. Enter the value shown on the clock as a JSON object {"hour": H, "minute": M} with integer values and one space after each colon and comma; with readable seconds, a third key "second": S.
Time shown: {"hour": 5, "minute": 16, "second": 40}
